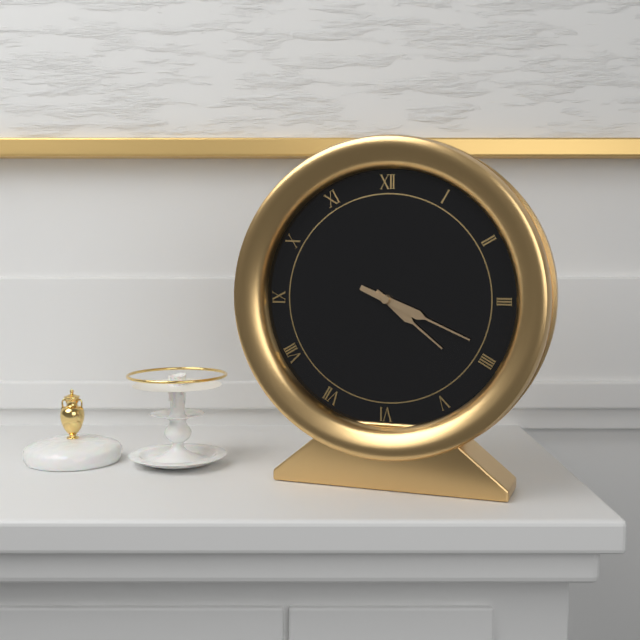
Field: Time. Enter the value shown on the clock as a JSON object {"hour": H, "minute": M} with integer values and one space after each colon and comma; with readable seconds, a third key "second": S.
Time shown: {"hour": 4, "minute": 19}
